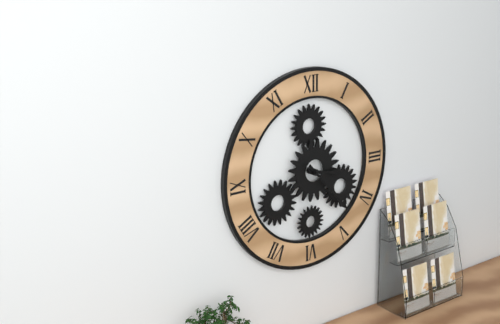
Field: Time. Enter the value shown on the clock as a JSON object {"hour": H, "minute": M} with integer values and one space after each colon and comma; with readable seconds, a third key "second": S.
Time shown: {"hour": 3, "minute": 23}
